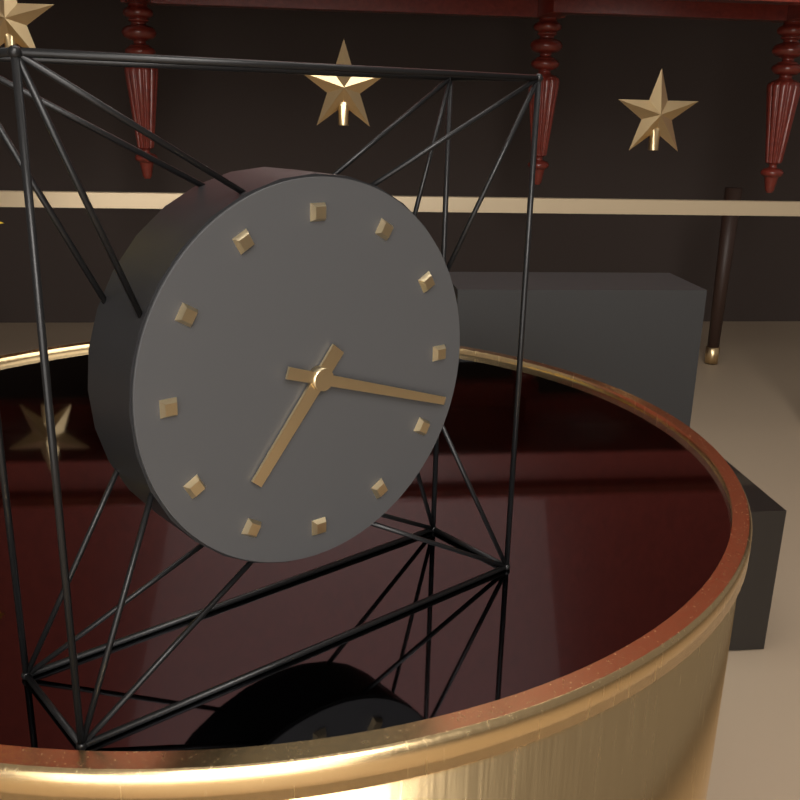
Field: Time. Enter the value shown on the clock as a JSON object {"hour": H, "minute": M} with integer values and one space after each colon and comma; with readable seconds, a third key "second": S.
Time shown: {"hour": 7, "minute": 18}
